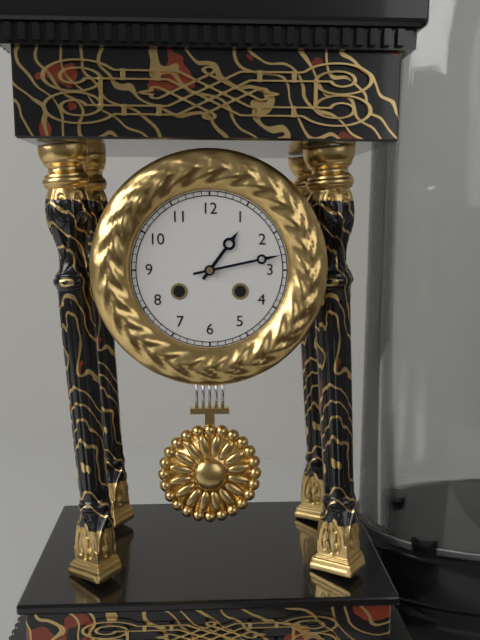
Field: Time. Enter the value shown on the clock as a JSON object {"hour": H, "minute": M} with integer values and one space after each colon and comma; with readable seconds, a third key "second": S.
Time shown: {"hour": 1, "minute": 13}
